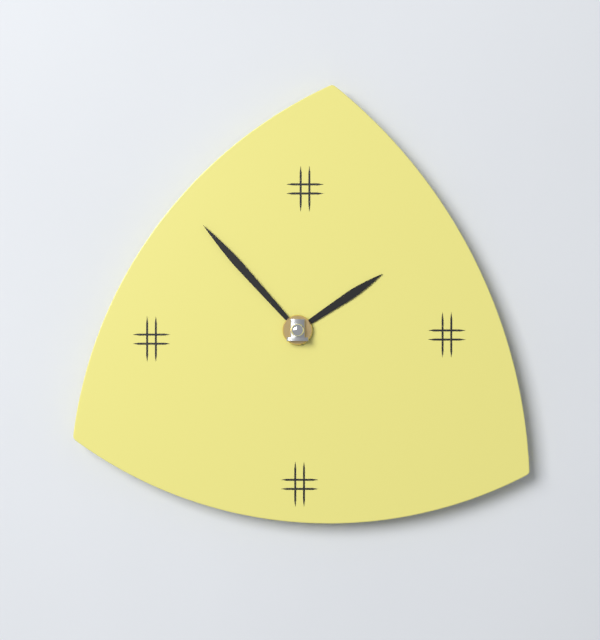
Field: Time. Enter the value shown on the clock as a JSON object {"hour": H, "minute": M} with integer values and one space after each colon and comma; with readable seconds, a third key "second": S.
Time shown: {"hour": 1, "minute": 53}
